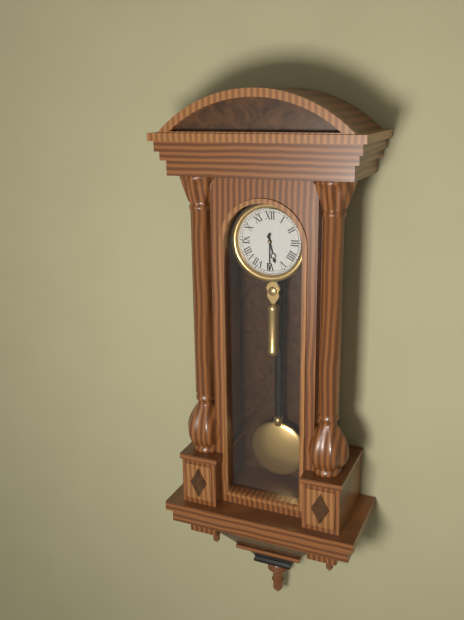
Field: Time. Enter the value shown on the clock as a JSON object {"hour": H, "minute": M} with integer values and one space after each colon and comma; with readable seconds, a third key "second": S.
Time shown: {"hour": 5, "minute": 30}
